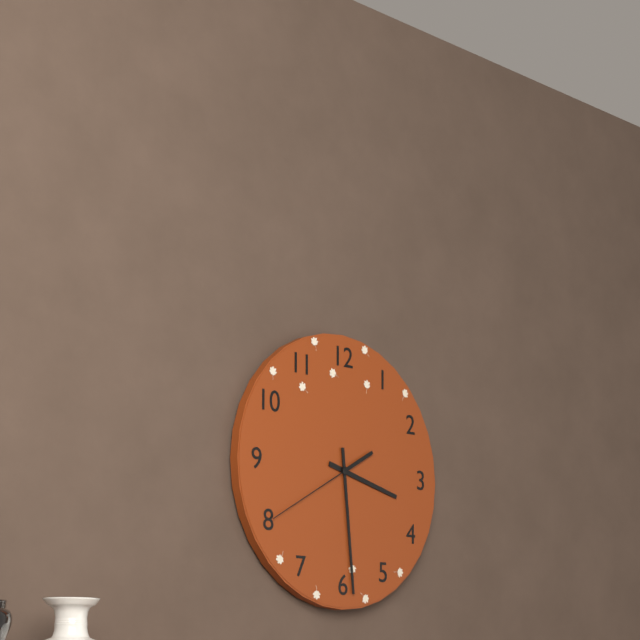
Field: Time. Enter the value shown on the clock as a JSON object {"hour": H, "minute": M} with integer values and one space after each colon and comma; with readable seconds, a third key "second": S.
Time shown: {"hour": 3, "minute": 29, "second": 40}
